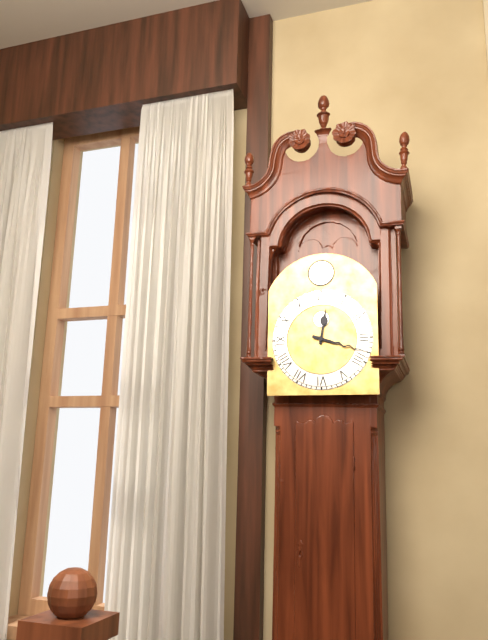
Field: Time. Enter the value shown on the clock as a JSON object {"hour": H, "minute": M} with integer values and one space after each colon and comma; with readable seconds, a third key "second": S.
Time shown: {"hour": 12, "minute": 18}
